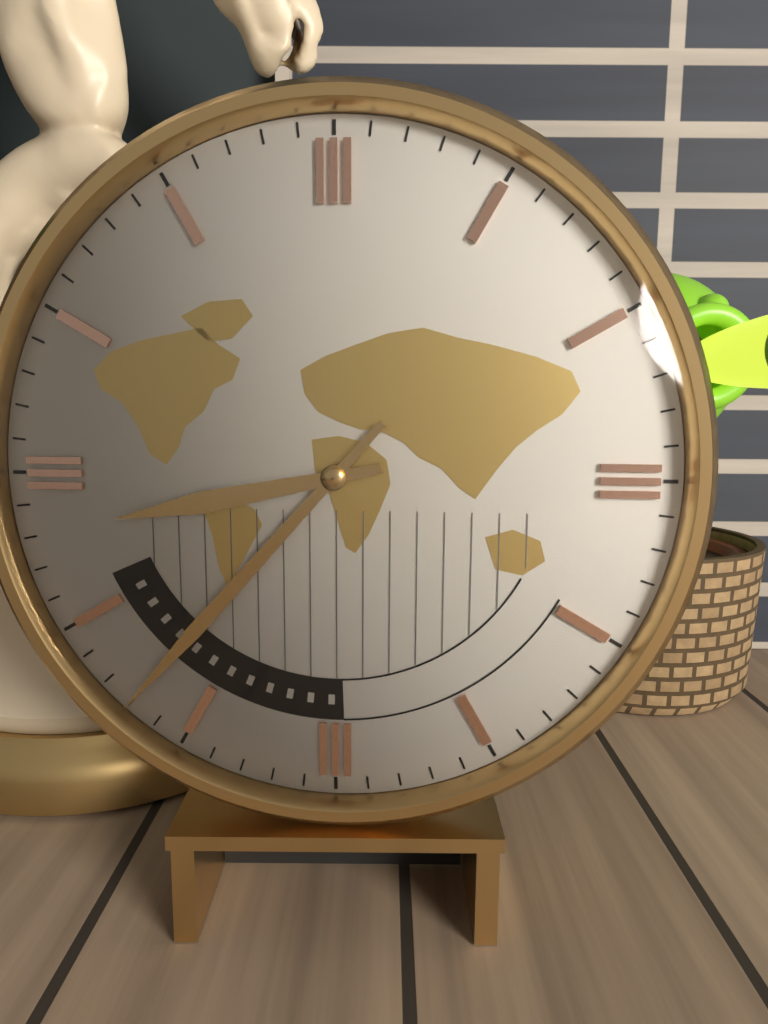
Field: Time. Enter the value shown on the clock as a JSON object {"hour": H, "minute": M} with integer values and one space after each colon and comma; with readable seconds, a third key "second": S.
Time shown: {"hour": 8, "minute": 37}
